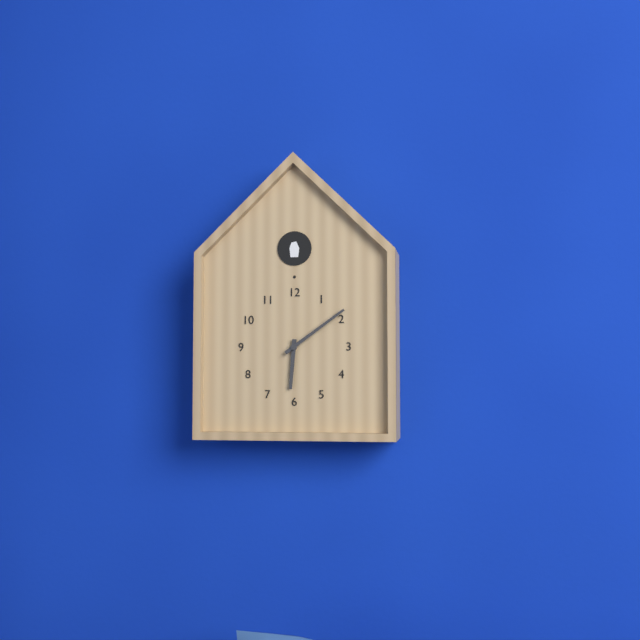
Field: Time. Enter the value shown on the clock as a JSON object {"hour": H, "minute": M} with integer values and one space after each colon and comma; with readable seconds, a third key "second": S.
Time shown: {"hour": 6, "minute": 9}
